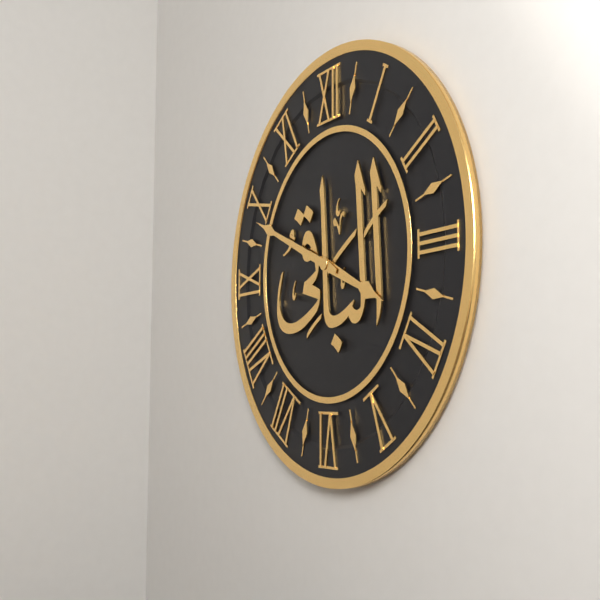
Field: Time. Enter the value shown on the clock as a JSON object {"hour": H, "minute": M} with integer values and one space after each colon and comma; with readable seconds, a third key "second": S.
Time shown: {"hour": 3, "minute": 49}
